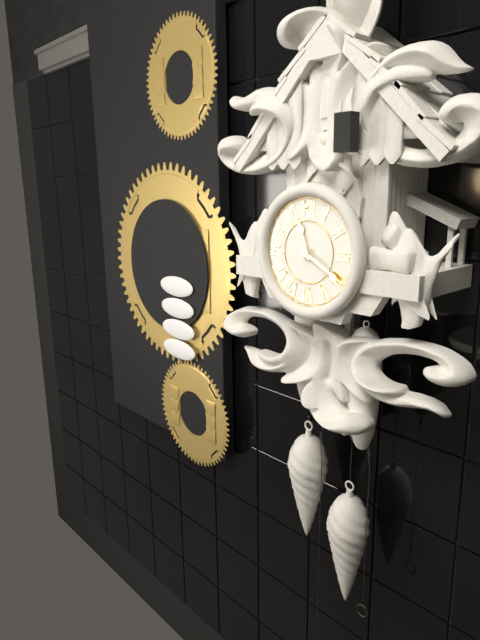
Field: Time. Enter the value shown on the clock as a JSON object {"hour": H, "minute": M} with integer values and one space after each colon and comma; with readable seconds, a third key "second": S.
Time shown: {"hour": 11, "minute": 20}
